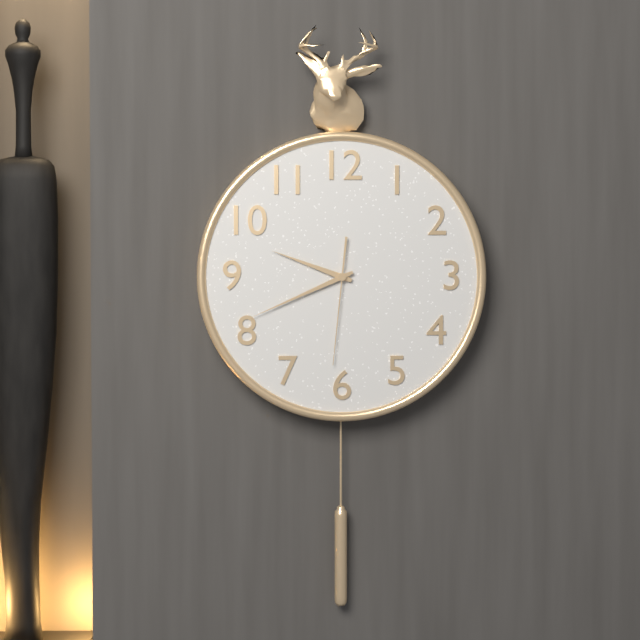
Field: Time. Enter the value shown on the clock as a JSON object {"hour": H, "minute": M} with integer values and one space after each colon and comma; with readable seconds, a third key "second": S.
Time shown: {"hour": 9, "minute": 41, "second": 31}
